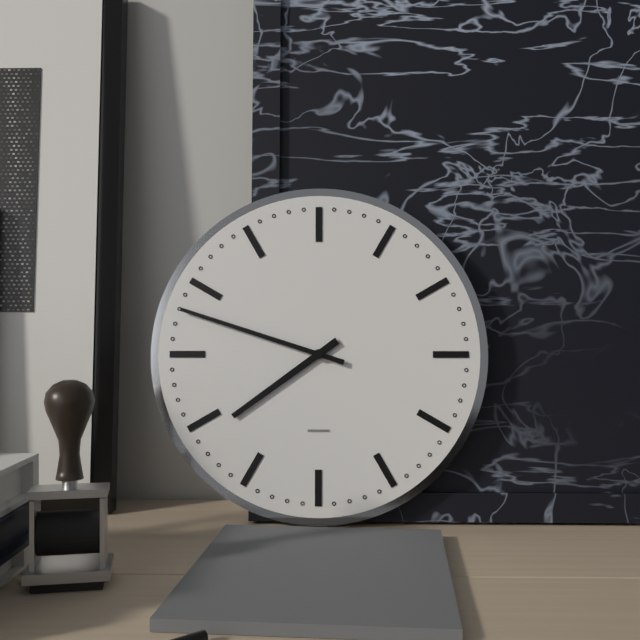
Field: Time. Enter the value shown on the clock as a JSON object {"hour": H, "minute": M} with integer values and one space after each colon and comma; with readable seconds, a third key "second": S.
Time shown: {"hour": 7, "minute": 48}
